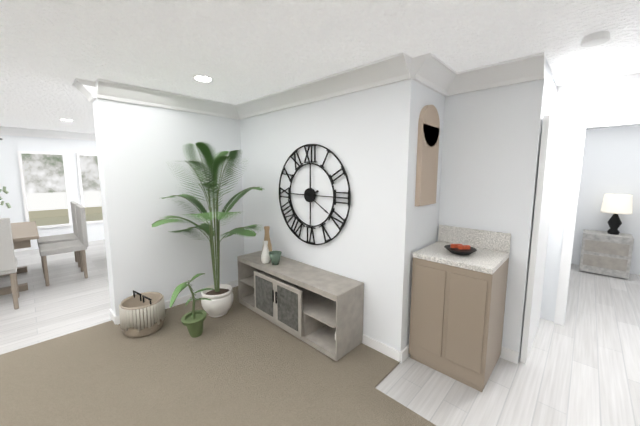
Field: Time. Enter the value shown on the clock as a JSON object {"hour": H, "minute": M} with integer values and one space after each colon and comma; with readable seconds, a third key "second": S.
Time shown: {"hour": 2, "minute": 20}
